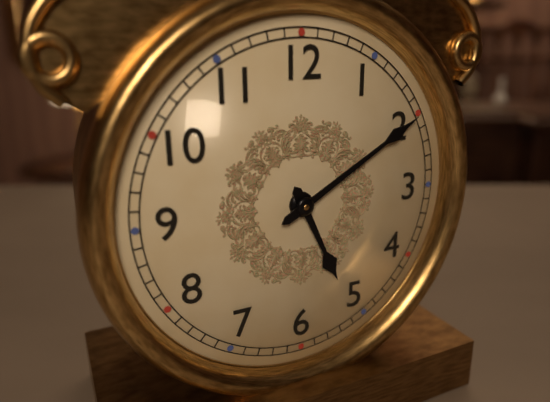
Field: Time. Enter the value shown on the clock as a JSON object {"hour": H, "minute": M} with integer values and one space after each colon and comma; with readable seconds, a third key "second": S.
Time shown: {"hour": 5, "minute": 10}
